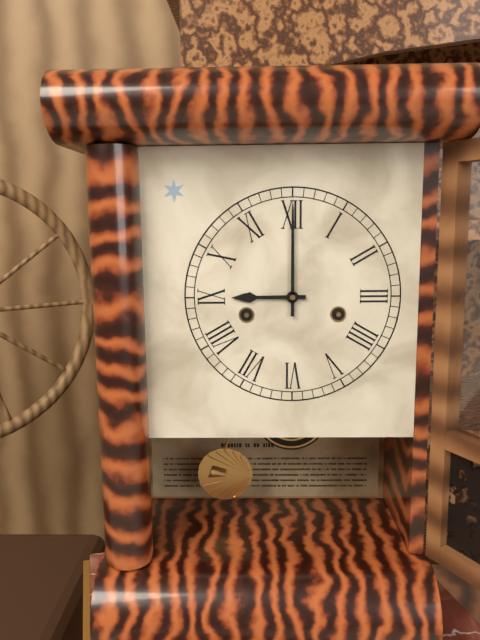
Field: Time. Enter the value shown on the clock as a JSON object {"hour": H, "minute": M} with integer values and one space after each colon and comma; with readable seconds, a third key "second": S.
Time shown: {"hour": 9, "minute": 0}
